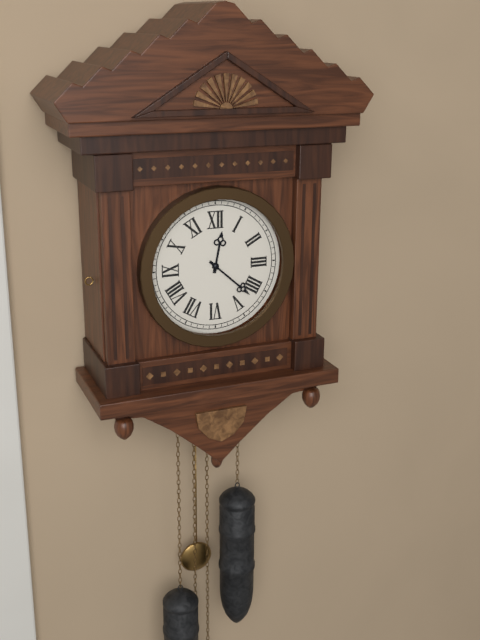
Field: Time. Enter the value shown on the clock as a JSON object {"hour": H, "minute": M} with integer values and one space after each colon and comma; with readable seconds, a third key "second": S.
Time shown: {"hour": 12, "minute": 22}
